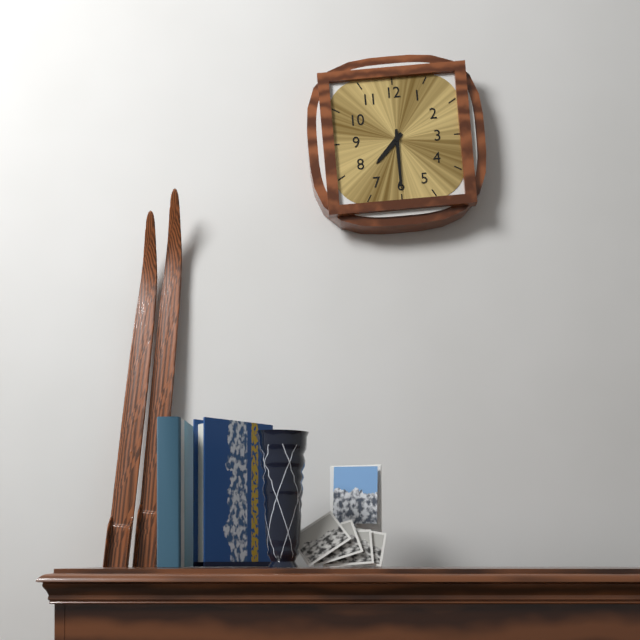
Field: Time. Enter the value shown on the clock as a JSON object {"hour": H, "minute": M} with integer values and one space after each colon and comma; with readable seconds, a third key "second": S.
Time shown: {"hour": 7, "minute": 30}
